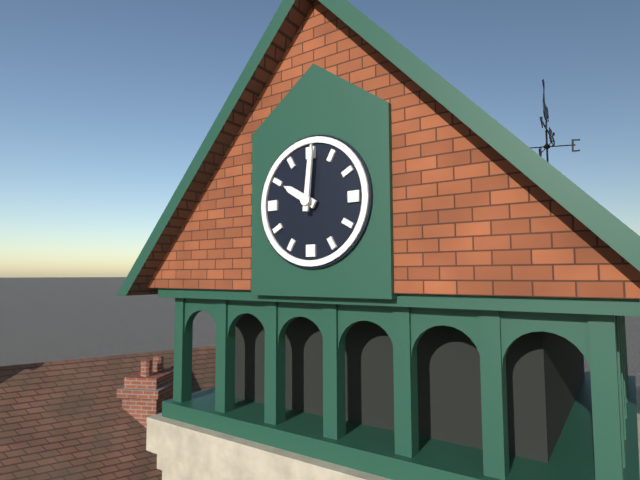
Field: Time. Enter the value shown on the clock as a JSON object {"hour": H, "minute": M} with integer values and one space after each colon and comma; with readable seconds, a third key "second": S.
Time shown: {"hour": 10, "minute": 1}
